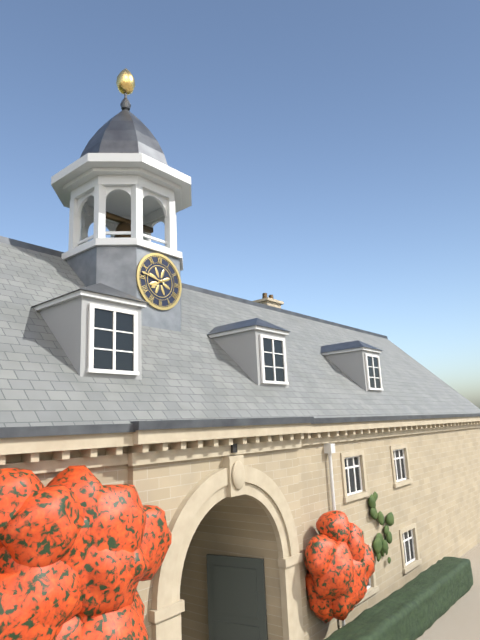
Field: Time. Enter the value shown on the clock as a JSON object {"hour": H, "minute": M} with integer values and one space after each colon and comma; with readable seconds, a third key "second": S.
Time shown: {"hour": 7, "minute": 47}
